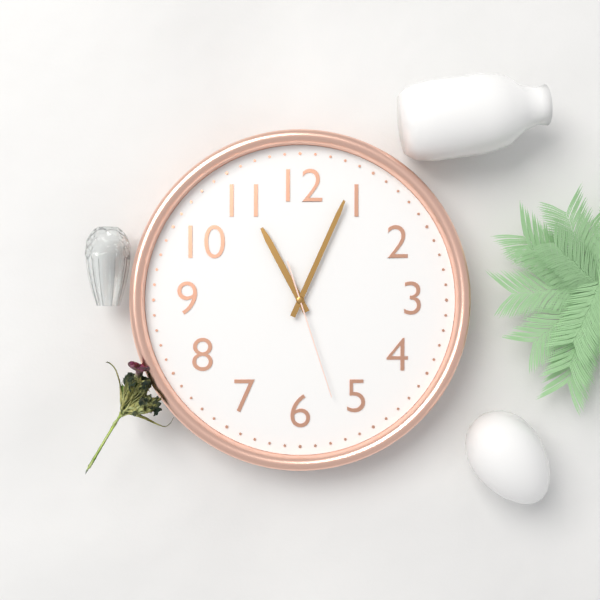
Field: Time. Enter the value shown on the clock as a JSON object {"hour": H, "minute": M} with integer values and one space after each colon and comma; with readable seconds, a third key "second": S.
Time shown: {"hour": 11, "minute": 4, "second": 27}
